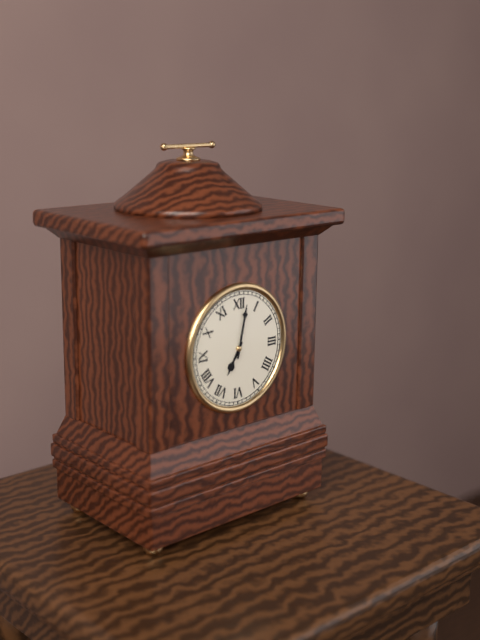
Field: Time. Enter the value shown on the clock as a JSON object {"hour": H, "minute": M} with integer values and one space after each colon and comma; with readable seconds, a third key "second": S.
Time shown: {"hour": 7, "minute": 2}
